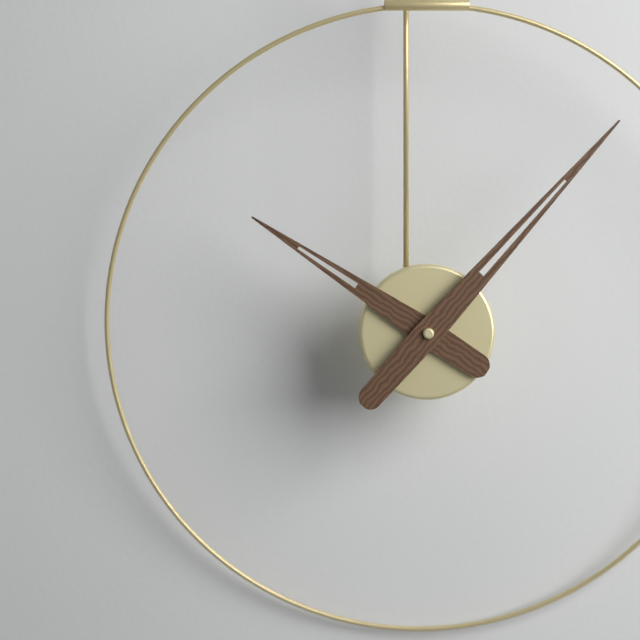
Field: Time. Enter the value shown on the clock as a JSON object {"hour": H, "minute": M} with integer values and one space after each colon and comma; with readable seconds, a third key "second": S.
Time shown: {"hour": 10, "minute": 7}
